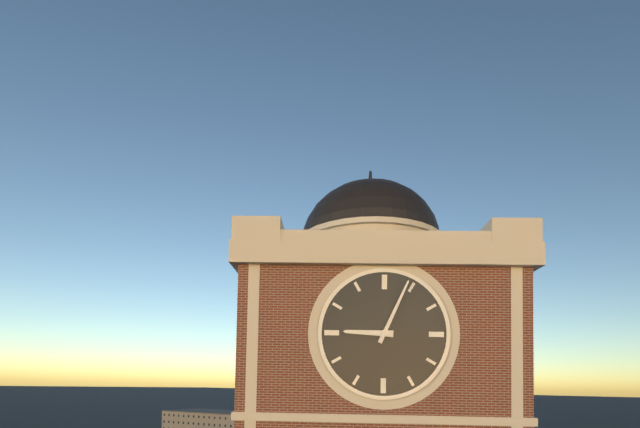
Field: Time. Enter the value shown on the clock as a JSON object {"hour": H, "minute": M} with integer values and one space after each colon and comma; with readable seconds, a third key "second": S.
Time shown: {"hour": 9, "minute": 4}
